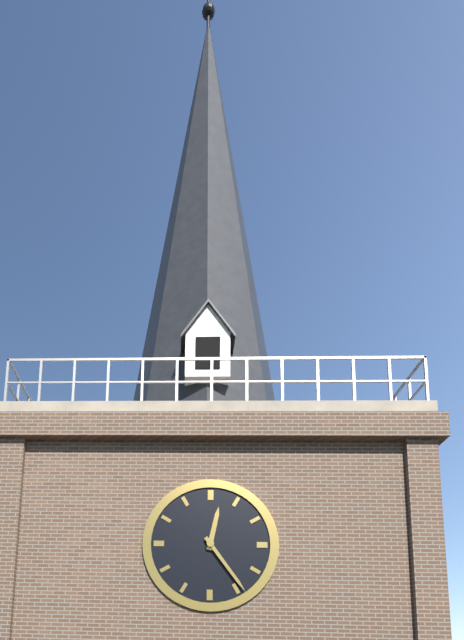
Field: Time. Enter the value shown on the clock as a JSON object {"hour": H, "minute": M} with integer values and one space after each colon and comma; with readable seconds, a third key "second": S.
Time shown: {"hour": 12, "minute": 24}
